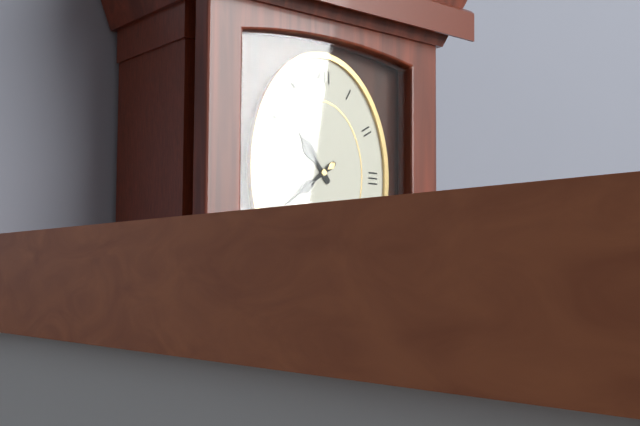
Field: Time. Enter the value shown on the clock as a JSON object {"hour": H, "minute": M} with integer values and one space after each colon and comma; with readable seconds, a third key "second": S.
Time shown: {"hour": 10, "minute": 39}
